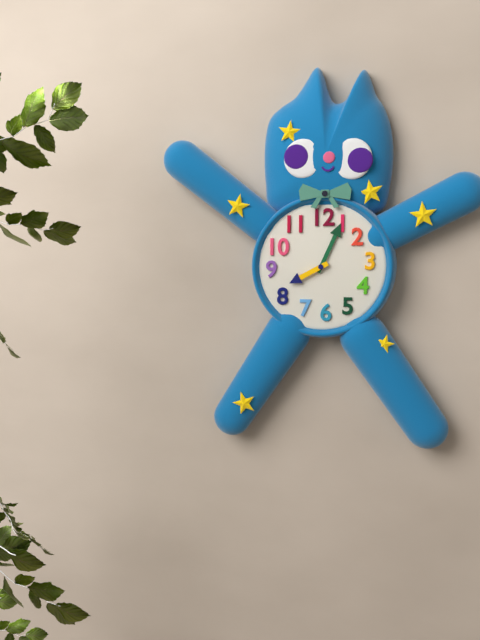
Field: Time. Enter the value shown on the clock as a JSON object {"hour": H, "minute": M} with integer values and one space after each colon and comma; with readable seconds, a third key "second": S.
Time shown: {"hour": 8, "minute": 4}
